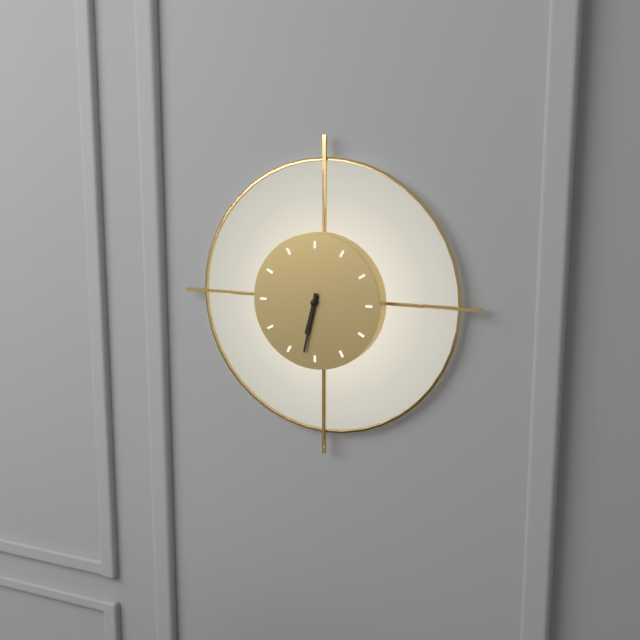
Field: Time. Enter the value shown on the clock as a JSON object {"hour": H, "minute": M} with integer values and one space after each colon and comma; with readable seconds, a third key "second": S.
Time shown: {"hour": 6, "minute": 32}
